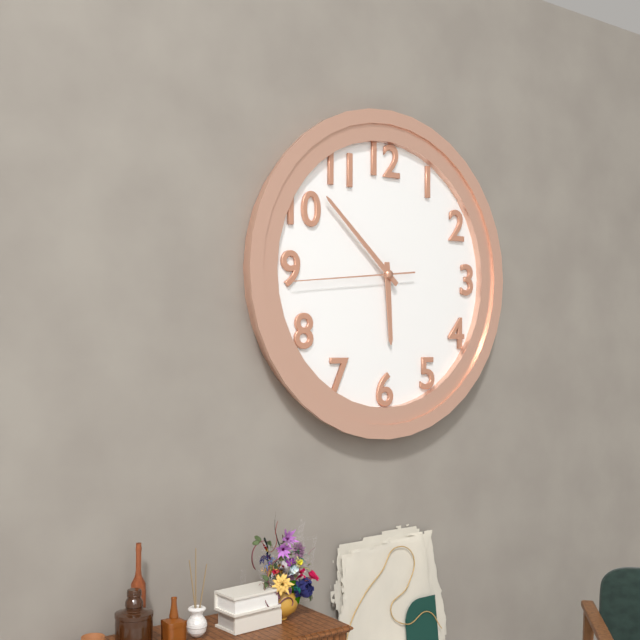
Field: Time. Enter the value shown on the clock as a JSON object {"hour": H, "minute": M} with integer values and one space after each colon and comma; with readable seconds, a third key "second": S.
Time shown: {"hour": 5, "minute": 52, "second": 44}
